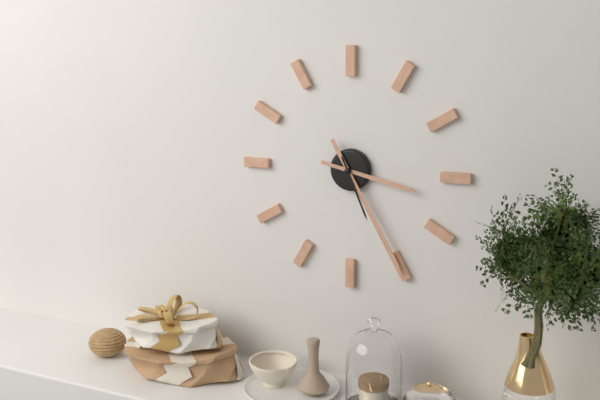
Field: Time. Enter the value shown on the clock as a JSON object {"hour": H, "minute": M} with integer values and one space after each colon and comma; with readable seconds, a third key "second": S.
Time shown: {"hour": 3, "minute": 25, "second": 26}
